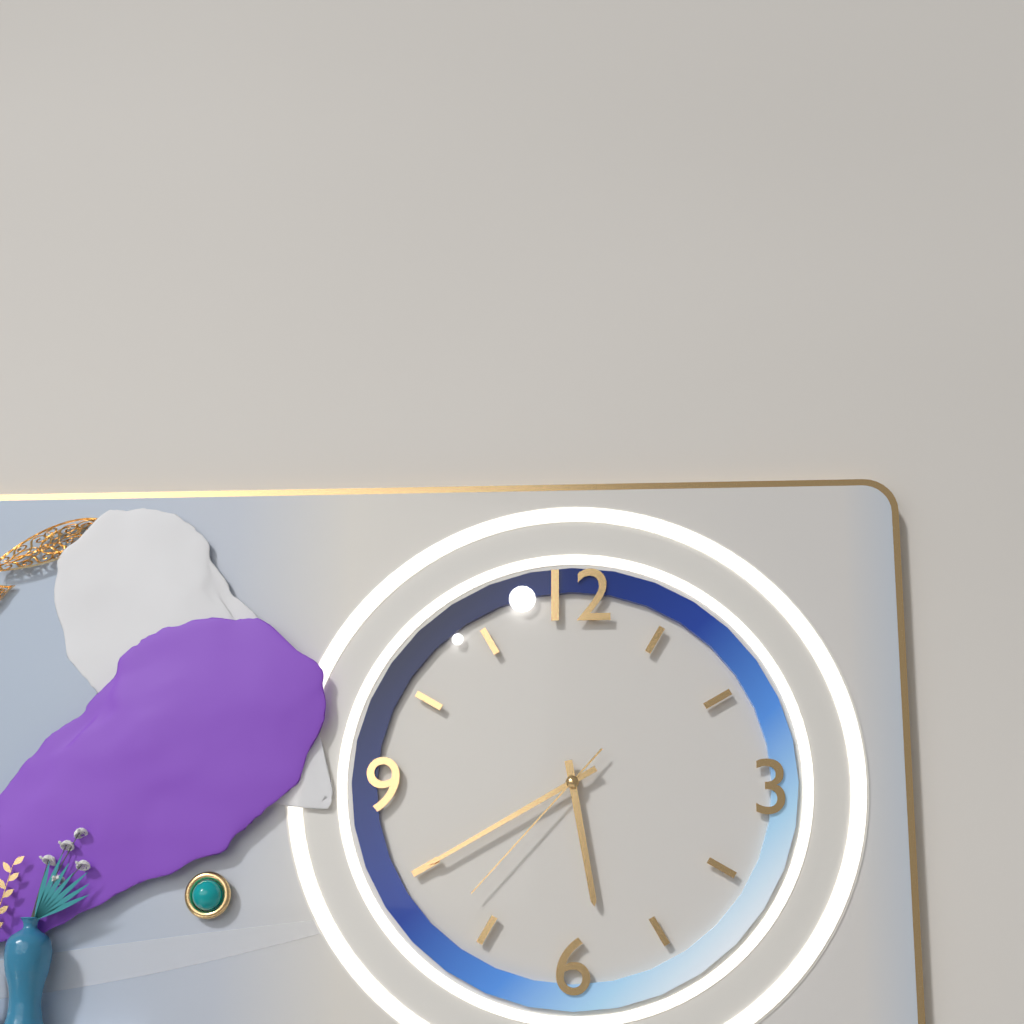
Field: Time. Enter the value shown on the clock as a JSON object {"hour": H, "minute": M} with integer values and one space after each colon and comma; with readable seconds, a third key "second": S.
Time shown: {"hour": 5, "minute": 40, "second": 37}
